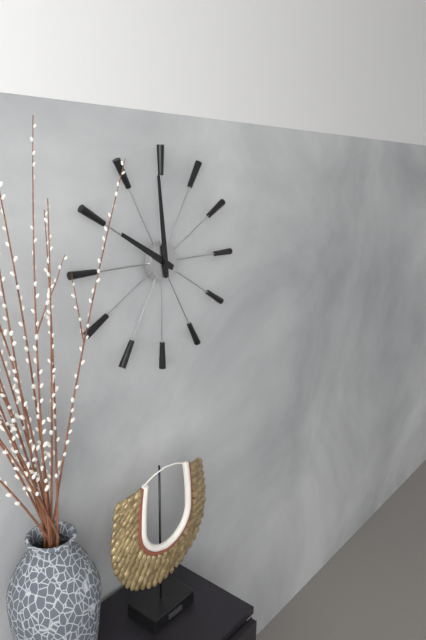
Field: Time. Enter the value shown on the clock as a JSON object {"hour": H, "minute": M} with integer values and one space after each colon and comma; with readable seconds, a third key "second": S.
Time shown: {"hour": 9, "minute": 59}
